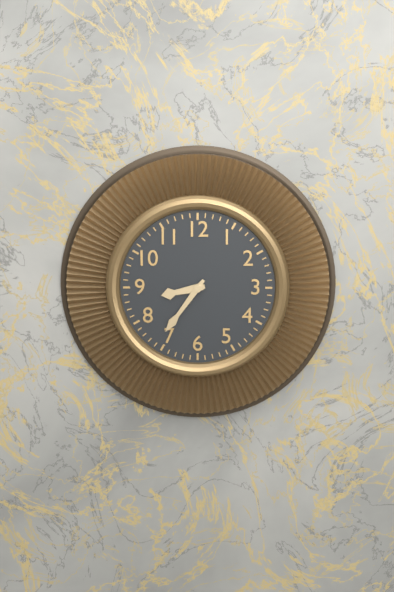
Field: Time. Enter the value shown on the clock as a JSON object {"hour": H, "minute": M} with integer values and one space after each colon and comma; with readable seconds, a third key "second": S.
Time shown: {"hour": 8, "minute": 36}
